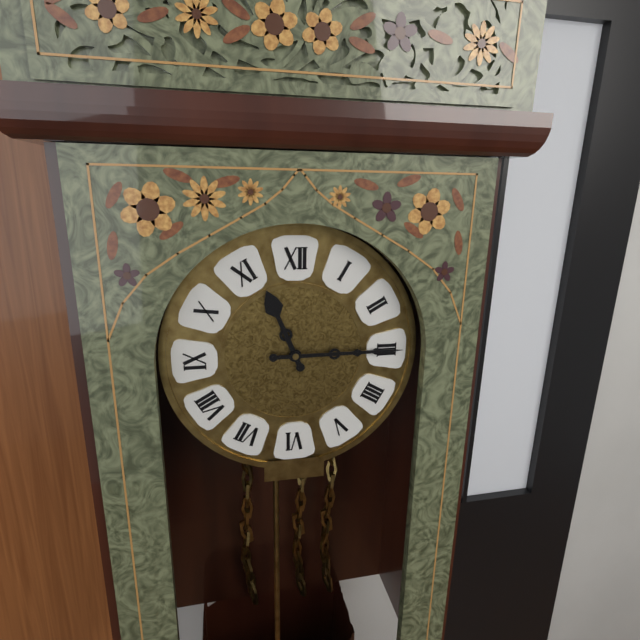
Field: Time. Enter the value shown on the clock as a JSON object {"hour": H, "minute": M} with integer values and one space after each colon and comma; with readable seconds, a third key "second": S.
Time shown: {"hour": 11, "minute": 15}
